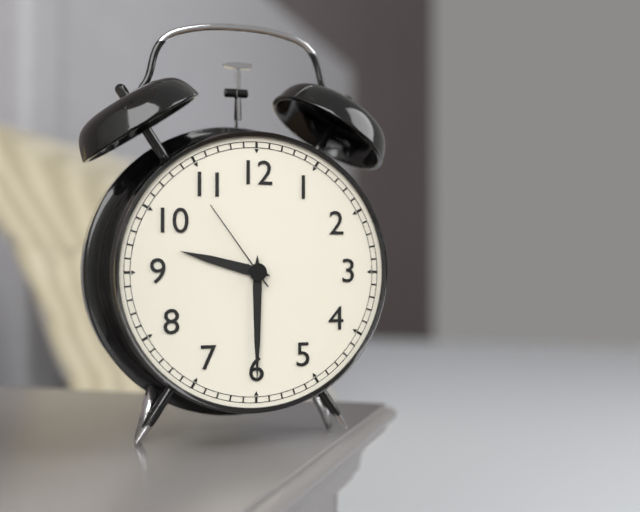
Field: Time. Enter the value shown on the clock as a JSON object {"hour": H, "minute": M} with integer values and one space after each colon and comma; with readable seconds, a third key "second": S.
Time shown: {"hour": 9, "minute": 30, "second": 54}
